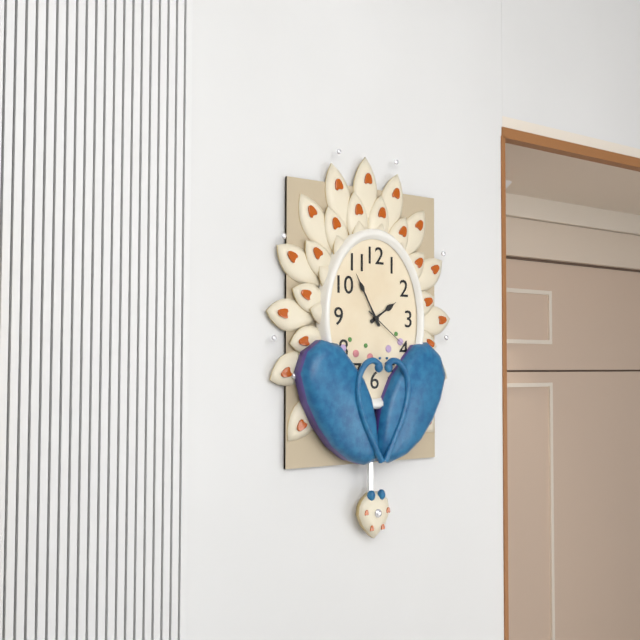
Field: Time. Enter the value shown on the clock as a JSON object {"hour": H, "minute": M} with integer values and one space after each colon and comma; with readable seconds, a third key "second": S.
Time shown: {"hour": 1, "minute": 55}
